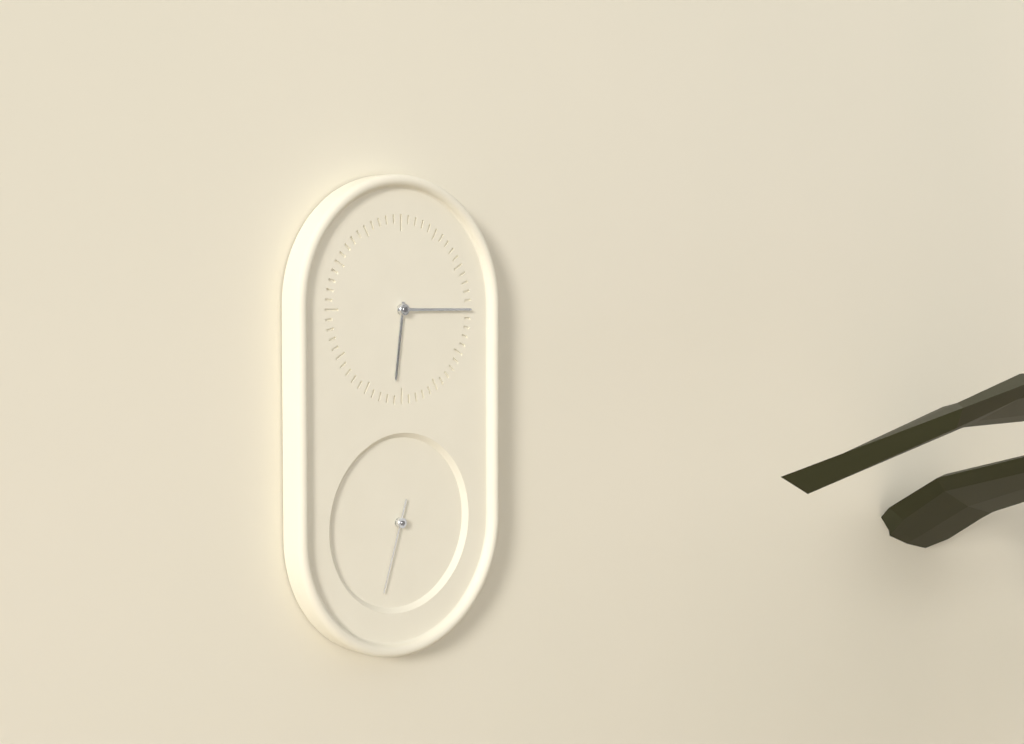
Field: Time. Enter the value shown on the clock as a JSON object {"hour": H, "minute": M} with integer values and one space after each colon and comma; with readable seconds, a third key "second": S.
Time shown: {"hour": 6, "minute": 15, "second": 33}
